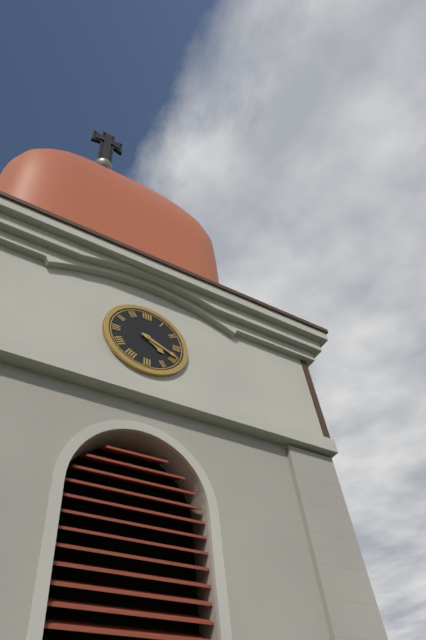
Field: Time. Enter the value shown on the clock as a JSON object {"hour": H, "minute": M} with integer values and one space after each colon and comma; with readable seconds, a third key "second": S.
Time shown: {"hour": 4, "minute": 19}
